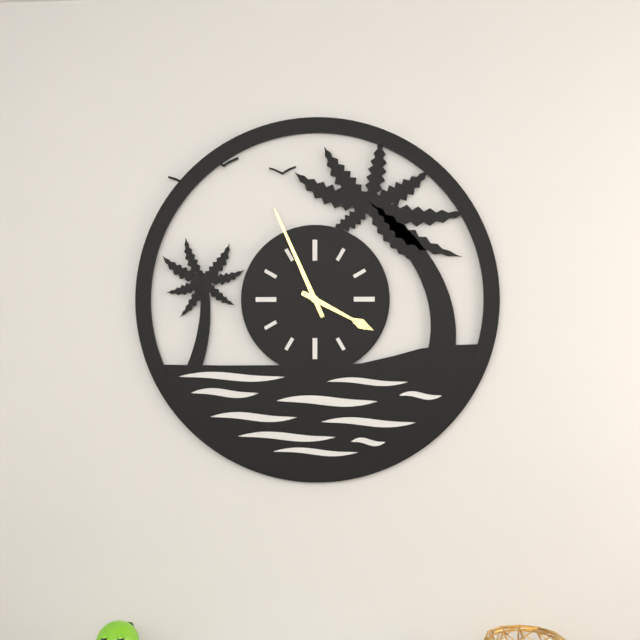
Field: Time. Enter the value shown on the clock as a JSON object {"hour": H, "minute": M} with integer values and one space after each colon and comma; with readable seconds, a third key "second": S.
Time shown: {"hour": 3, "minute": 56}
